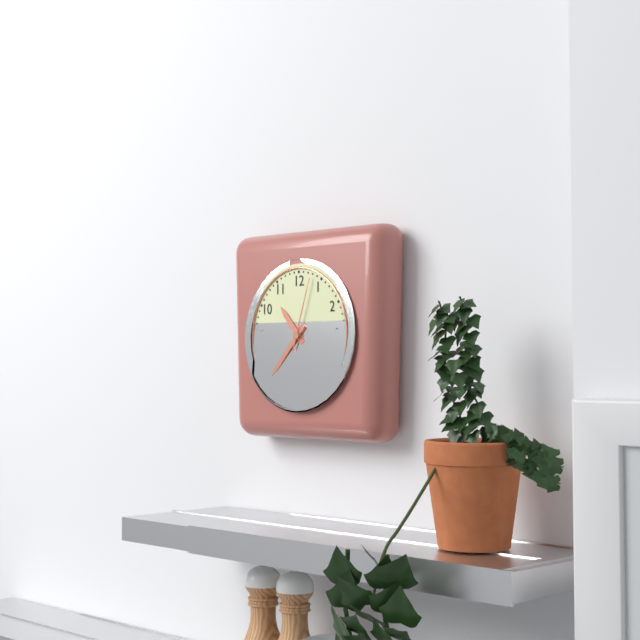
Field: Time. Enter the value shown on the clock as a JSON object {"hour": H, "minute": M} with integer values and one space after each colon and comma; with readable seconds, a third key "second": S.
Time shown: {"hour": 10, "minute": 37, "second": 3}
